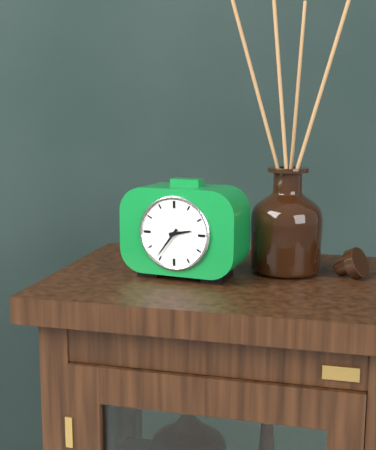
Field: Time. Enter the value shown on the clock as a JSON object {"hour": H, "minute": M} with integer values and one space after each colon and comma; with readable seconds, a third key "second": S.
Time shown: {"hour": 2, "minute": 36}
